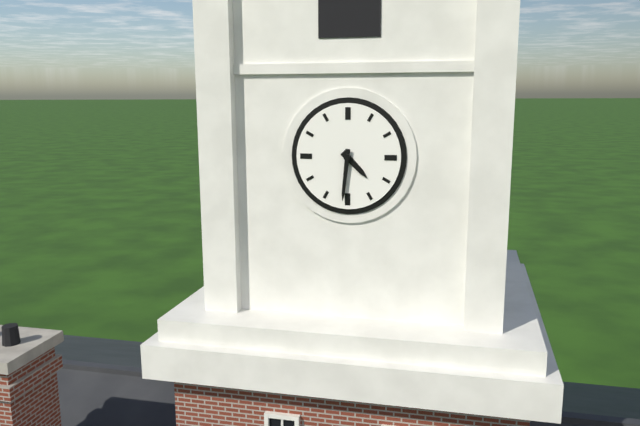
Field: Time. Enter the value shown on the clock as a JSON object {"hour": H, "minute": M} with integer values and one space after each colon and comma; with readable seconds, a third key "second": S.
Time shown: {"hour": 4, "minute": 31}
